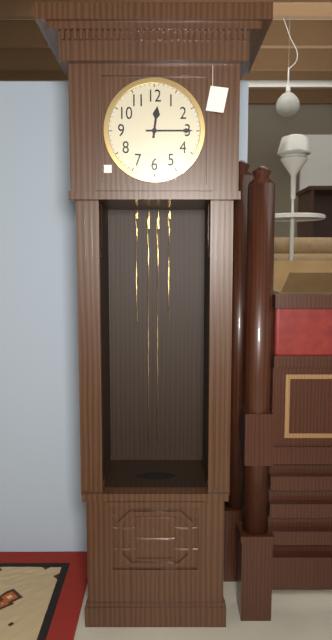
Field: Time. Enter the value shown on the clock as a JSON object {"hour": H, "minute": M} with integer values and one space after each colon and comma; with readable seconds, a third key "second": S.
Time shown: {"hour": 12, "minute": 15}
